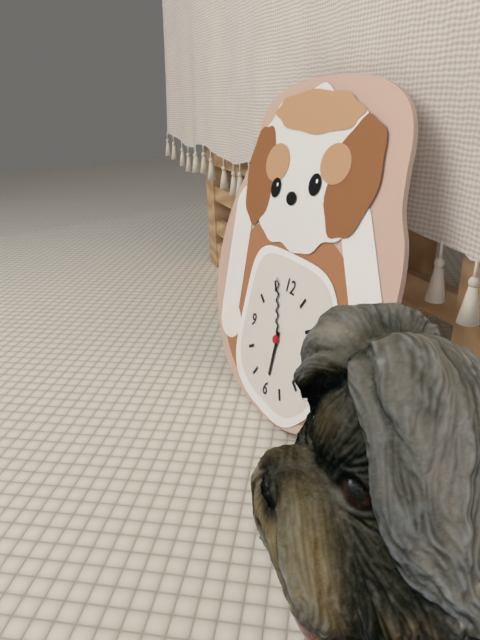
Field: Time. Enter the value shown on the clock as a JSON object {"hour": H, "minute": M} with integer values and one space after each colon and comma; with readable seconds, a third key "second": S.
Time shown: {"hour": 5, "minute": 56}
